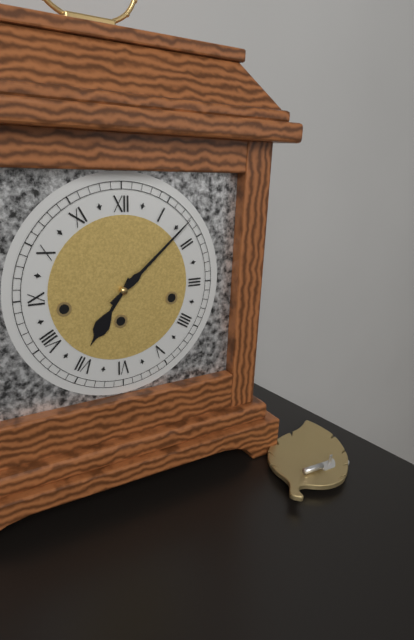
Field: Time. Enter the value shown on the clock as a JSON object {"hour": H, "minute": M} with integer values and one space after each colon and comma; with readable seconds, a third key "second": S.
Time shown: {"hour": 7, "minute": 8}
